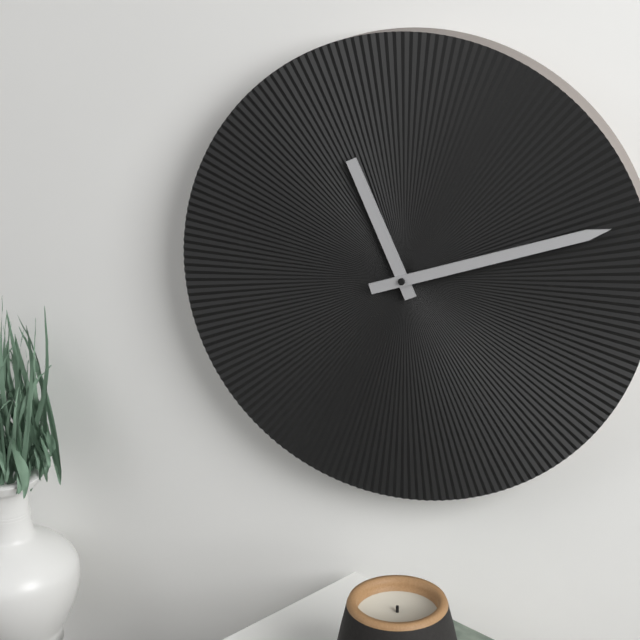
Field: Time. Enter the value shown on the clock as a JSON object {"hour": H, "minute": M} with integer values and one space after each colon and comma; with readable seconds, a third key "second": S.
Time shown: {"hour": 11, "minute": 12}
